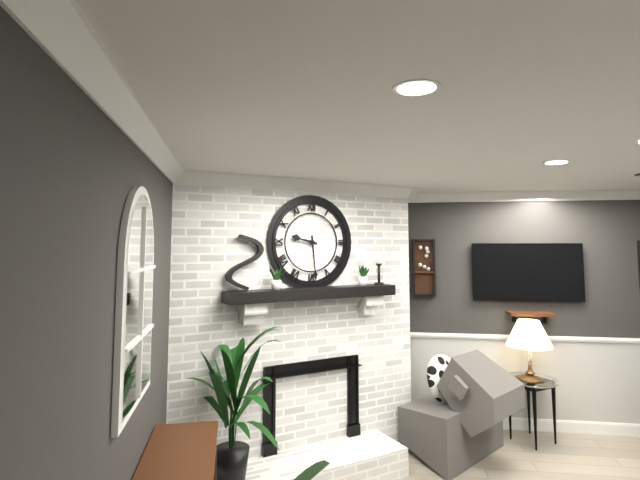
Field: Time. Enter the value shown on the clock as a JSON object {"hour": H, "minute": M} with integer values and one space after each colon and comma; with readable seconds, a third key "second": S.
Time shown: {"hour": 9, "minute": 29}
